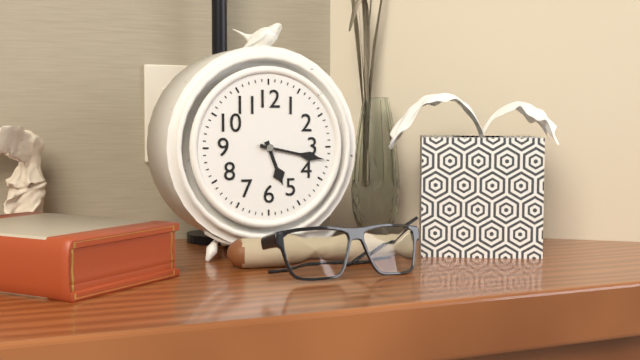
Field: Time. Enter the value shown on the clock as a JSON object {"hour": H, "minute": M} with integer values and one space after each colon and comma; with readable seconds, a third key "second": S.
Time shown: {"hour": 5, "minute": 17}
